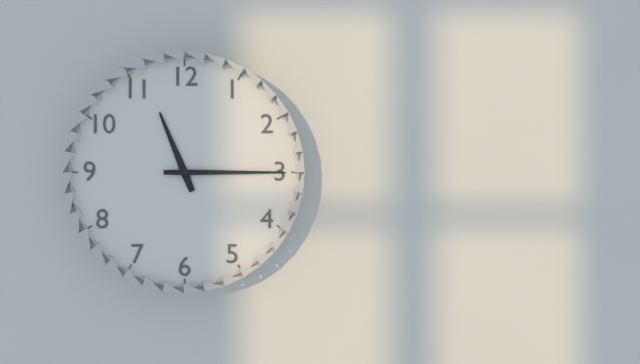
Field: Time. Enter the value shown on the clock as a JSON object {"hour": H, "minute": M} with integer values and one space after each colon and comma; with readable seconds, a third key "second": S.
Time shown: {"hour": 11, "minute": 15}
